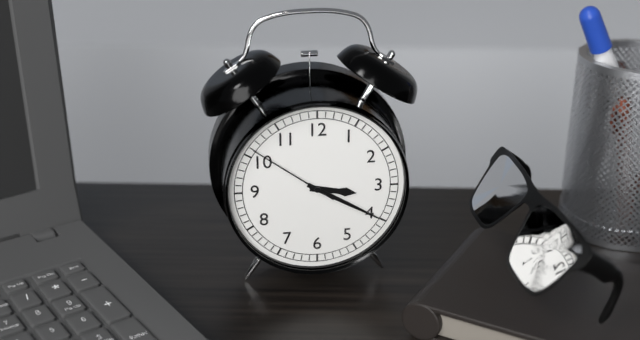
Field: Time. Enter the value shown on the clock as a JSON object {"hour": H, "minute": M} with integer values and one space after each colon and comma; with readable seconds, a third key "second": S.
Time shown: {"hour": 3, "minute": 20, "second": 51}
